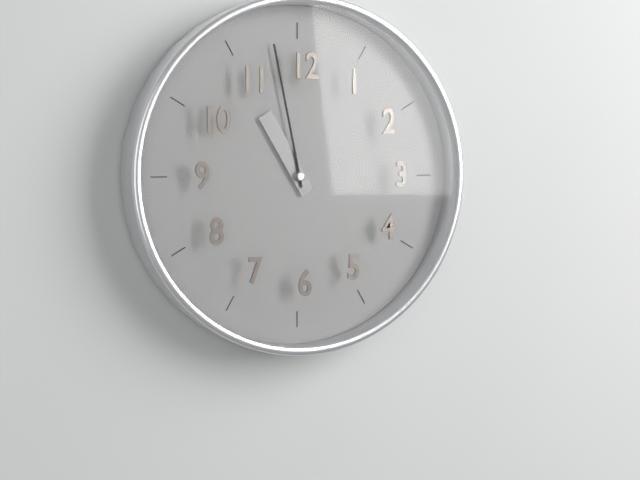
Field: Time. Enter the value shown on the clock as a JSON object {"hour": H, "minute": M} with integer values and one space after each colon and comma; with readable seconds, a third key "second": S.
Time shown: {"hour": 10, "minute": 58}
